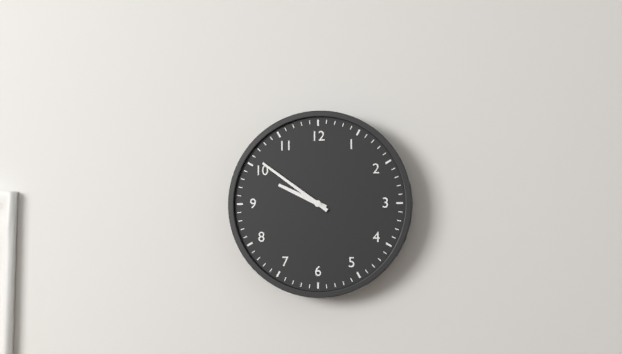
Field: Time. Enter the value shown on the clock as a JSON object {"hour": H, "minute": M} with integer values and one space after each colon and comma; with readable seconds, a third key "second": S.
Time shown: {"hour": 9, "minute": 51}
